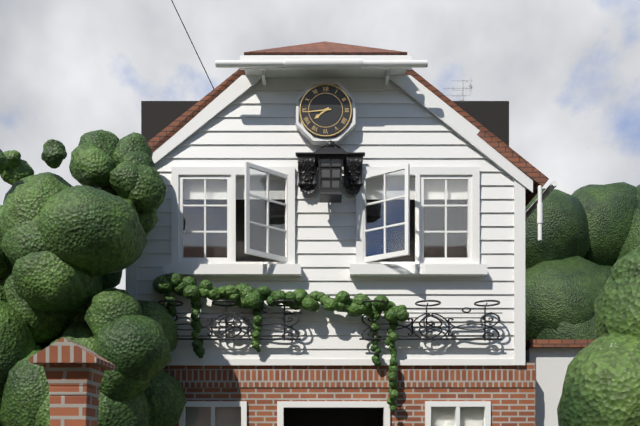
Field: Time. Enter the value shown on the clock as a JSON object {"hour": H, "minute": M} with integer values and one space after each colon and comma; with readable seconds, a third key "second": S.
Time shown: {"hour": 7, "minute": 44}
